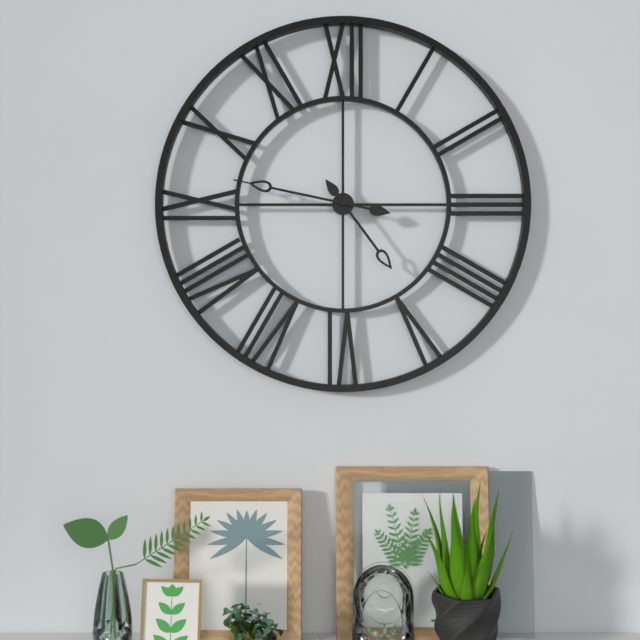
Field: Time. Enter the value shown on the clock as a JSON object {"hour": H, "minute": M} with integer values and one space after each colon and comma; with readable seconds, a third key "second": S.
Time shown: {"hour": 4, "minute": 47}
